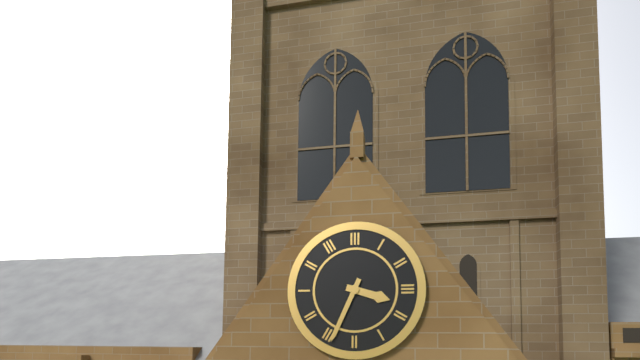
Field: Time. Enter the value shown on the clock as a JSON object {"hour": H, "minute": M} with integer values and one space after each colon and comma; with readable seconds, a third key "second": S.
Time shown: {"hour": 3, "minute": 34}
